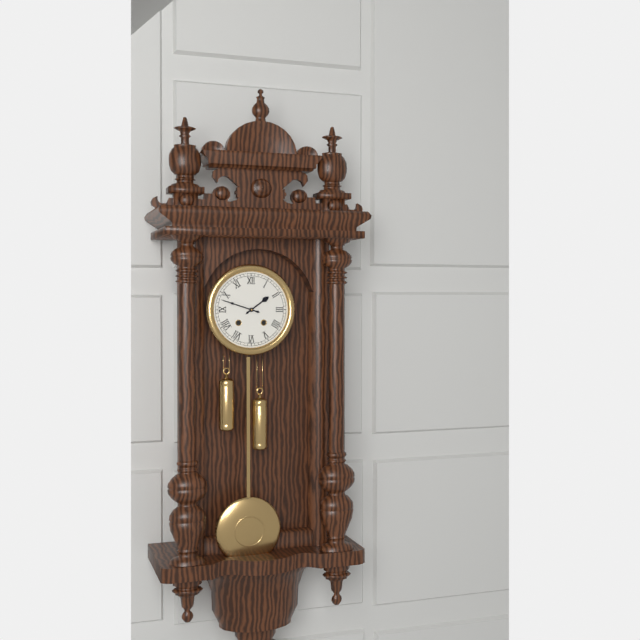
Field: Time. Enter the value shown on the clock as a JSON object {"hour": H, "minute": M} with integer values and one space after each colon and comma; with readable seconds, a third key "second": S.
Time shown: {"hour": 1, "minute": 48}
